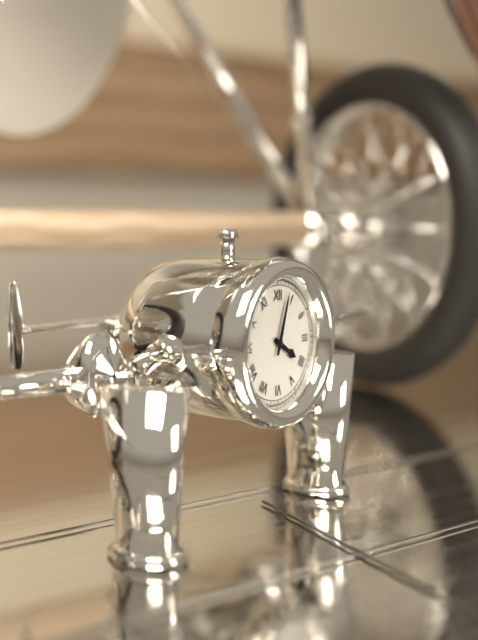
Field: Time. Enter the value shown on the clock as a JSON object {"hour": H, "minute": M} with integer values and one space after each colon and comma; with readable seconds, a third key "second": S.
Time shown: {"hour": 4, "minute": 3}
